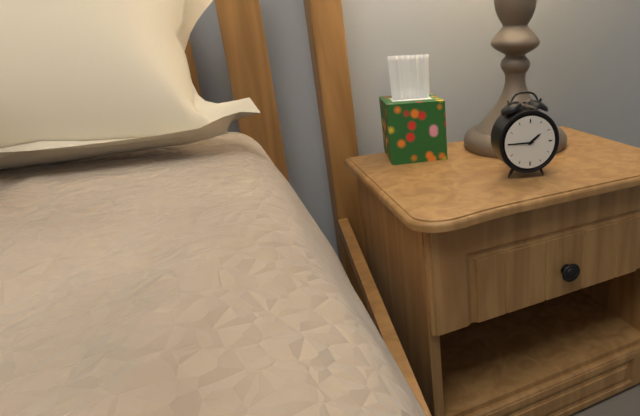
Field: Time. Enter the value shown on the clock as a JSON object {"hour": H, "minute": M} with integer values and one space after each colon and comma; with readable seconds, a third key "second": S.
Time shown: {"hour": 1, "minute": 45}
